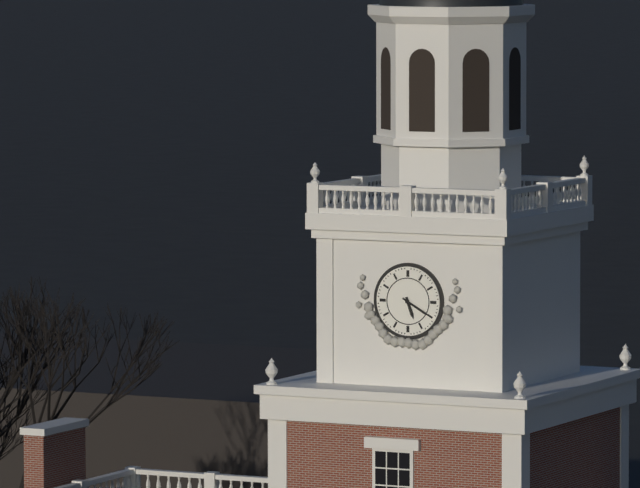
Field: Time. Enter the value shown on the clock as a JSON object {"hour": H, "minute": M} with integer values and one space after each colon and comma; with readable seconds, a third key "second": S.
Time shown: {"hour": 5, "minute": 20}
